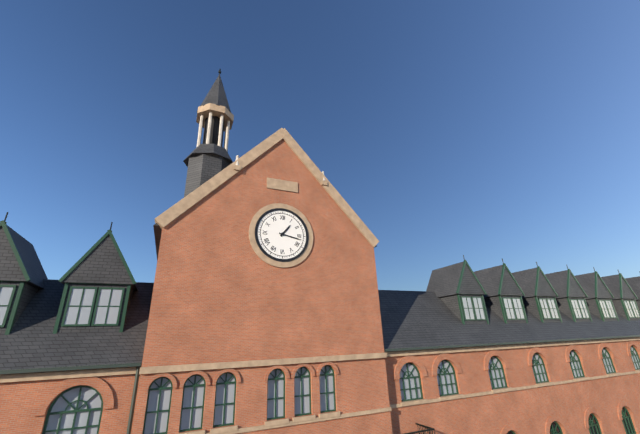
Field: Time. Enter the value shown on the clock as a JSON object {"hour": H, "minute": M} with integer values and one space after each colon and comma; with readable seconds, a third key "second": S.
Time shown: {"hour": 1, "minute": 17}
